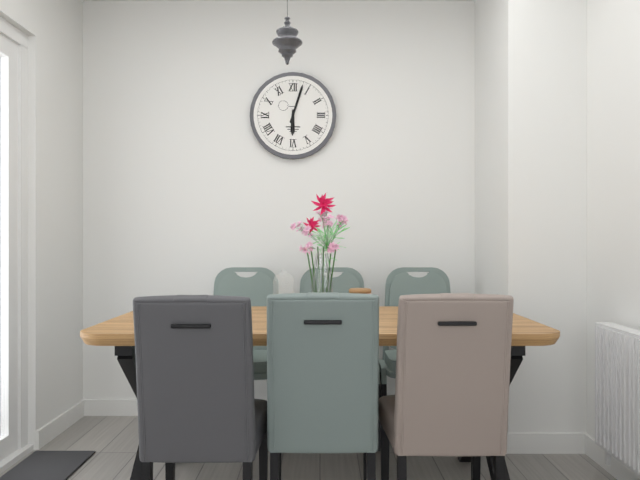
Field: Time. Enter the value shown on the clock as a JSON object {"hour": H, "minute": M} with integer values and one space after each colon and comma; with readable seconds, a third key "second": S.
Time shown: {"hour": 6, "minute": 3}
